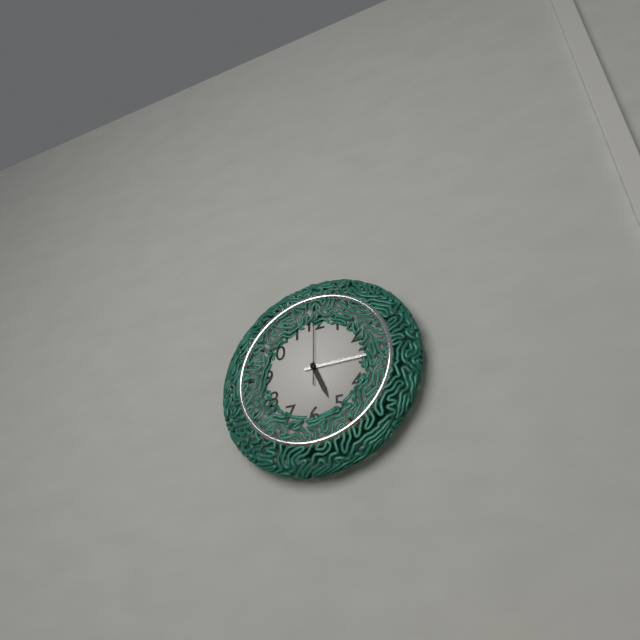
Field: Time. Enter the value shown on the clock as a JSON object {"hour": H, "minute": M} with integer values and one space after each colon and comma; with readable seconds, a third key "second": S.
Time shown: {"hour": 5, "minute": 15, "second": 0}
